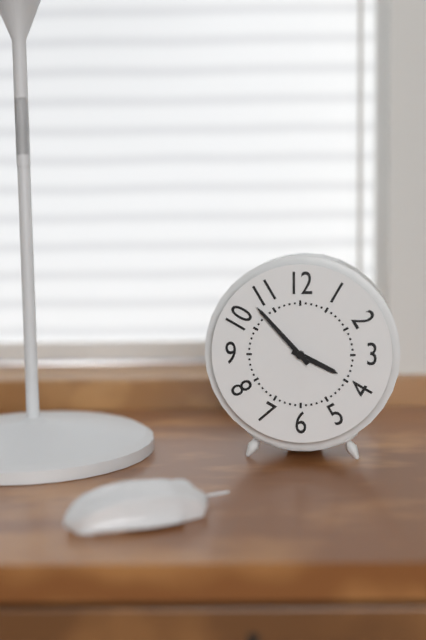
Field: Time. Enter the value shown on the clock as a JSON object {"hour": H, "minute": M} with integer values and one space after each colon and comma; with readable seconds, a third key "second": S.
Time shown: {"hour": 3, "minute": 53}
